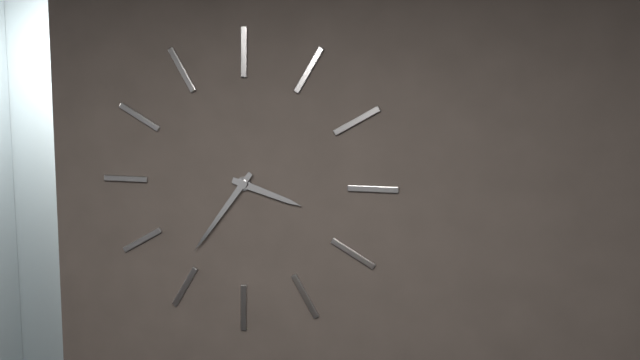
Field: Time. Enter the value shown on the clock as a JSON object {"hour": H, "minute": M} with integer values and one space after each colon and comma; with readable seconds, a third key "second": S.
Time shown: {"hour": 3, "minute": 36}
